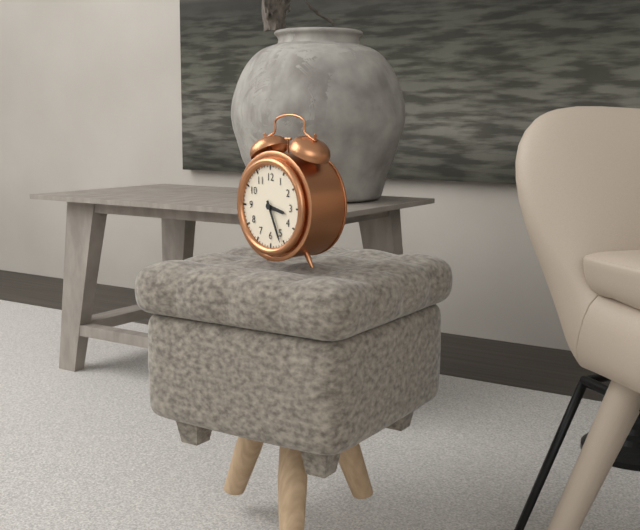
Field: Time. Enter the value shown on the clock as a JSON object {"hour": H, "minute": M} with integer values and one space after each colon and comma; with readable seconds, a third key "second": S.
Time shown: {"hour": 3, "minute": 26}
